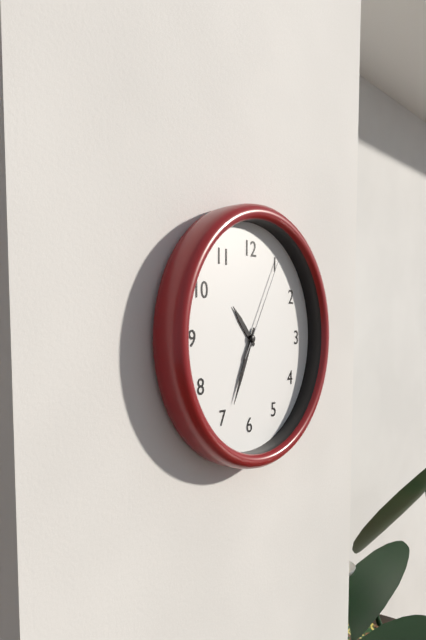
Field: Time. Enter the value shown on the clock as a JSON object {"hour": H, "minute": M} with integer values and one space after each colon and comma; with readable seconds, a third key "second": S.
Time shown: {"hour": 10, "minute": 34, "second": 5}
